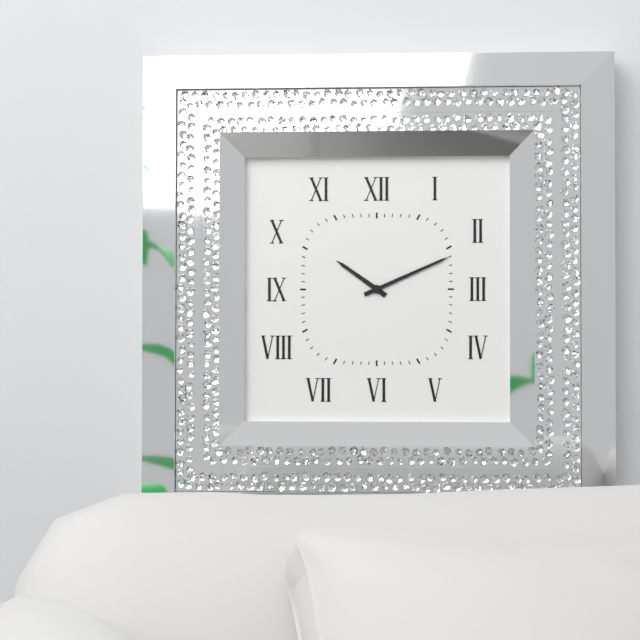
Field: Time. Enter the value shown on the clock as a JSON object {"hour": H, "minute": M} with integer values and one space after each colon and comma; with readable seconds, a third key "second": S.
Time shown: {"hour": 10, "minute": 11}
